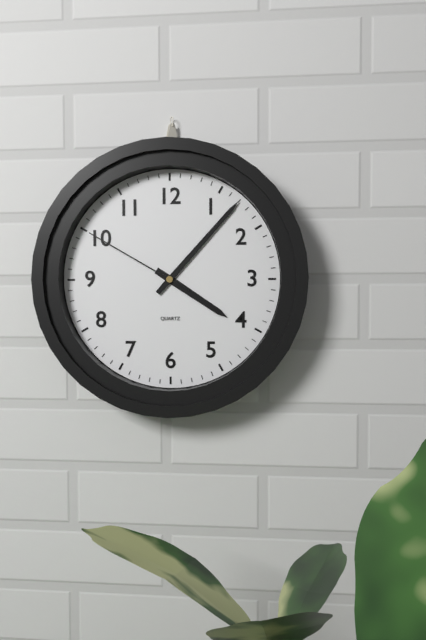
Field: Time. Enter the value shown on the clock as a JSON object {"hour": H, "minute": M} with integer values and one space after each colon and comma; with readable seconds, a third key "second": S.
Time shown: {"hour": 4, "minute": 7, "second": 50}
